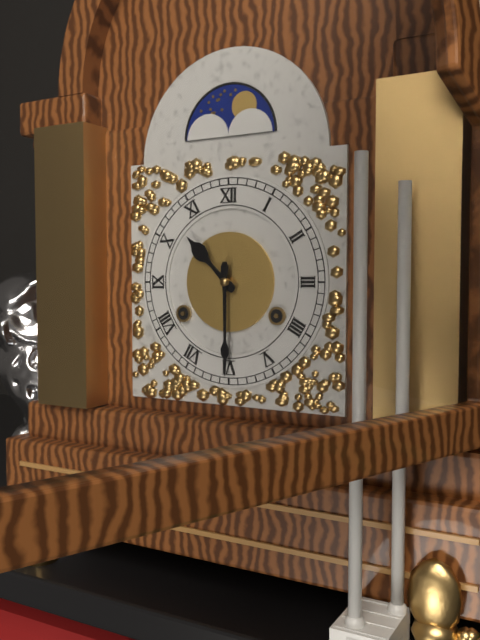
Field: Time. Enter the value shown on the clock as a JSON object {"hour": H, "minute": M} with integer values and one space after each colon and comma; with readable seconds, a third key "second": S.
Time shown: {"hour": 10, "minute": 30}
